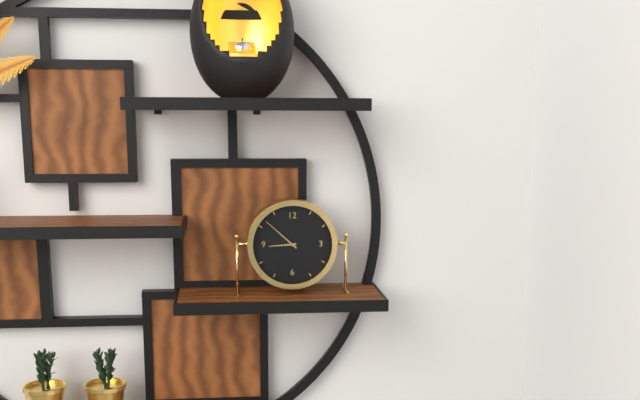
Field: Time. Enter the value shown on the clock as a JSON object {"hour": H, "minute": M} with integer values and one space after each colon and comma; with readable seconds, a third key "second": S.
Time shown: {"hour": 8, "minute": 52}
